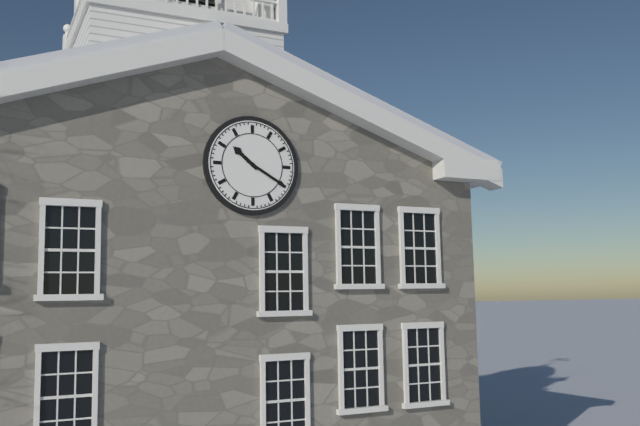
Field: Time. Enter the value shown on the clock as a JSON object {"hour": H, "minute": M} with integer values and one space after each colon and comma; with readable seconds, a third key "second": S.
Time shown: {"hour": 10, "minute": 20}
